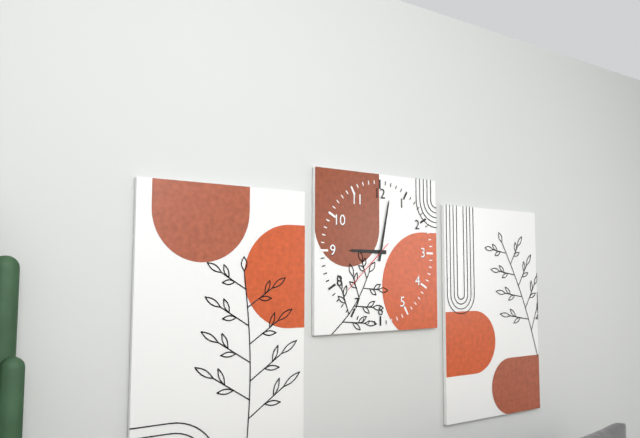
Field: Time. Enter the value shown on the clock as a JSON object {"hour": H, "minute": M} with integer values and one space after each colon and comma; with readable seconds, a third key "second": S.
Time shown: {"hour": 9, "minute": 2, "second": 38}
